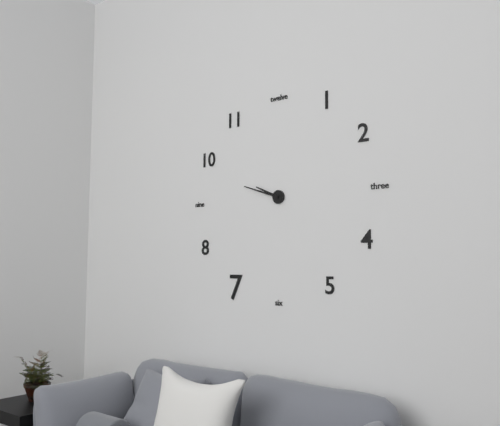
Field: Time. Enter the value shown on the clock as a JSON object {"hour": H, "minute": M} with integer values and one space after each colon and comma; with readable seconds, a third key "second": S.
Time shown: {"hour": 9, "minute": 48}
